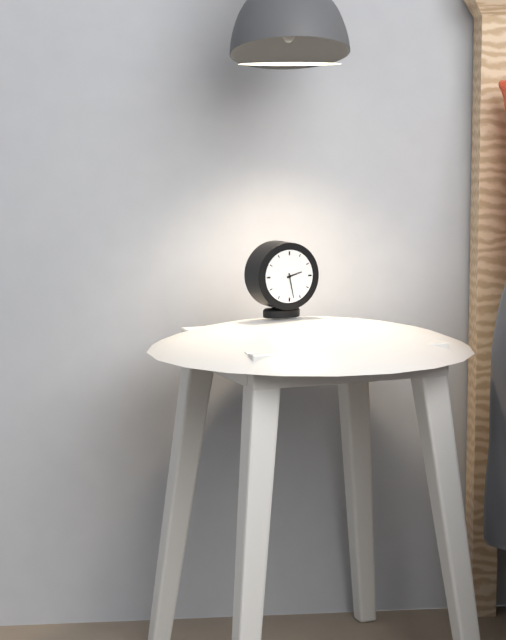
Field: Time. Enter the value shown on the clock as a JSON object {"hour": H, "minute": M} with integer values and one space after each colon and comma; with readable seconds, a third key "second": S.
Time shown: {"hour": 2, "minute": 28}
